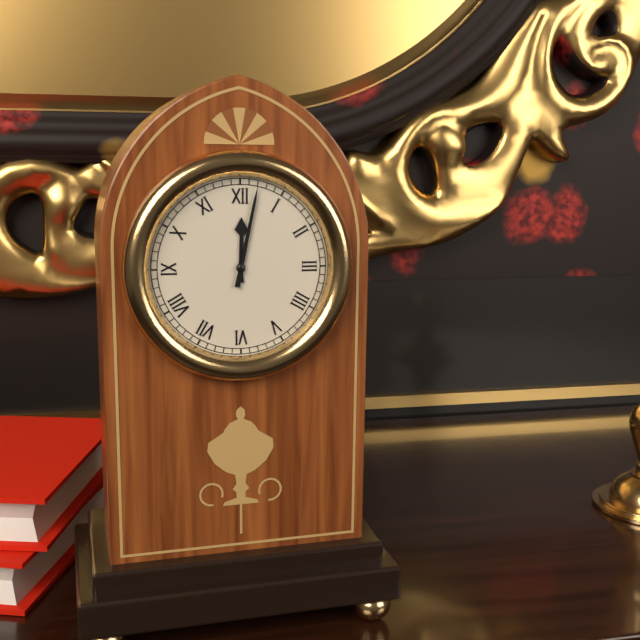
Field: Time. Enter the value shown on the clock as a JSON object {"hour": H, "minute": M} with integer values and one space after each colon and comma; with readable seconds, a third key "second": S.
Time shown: {"hour": 12, "minute": 2}
